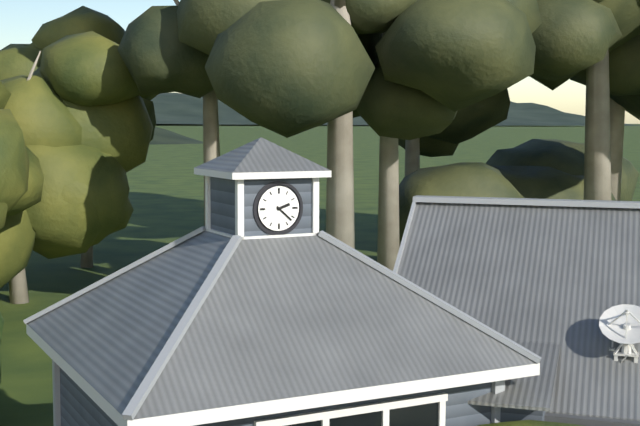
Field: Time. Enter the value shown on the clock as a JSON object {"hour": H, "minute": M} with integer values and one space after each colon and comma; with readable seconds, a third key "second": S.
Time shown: {"hour": 2, "minute": 22}
